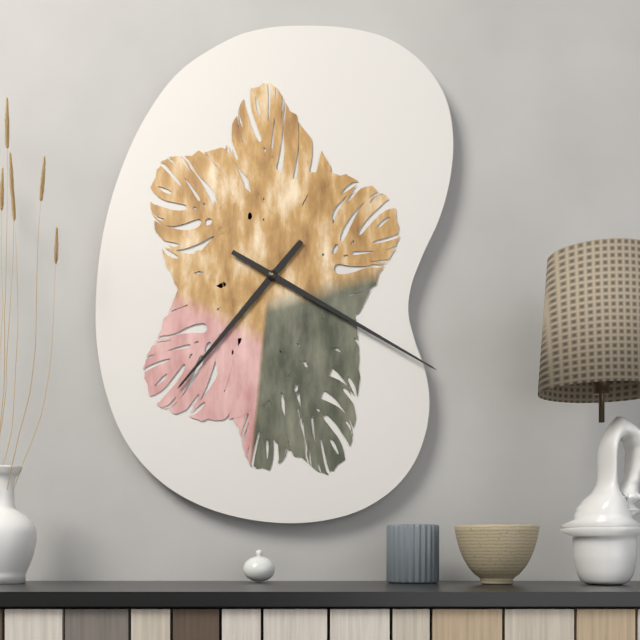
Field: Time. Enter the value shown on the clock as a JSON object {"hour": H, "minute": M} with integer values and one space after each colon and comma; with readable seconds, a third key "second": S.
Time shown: {"hour": 7, "minute": 20}
